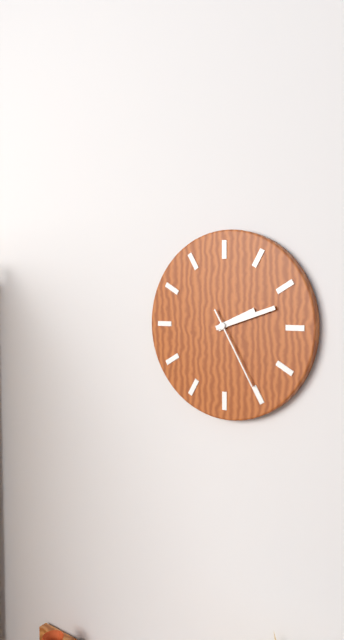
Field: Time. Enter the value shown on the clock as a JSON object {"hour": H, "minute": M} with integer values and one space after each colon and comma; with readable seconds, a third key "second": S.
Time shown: {"hour": 2, "minute": 12, "second": 25}
